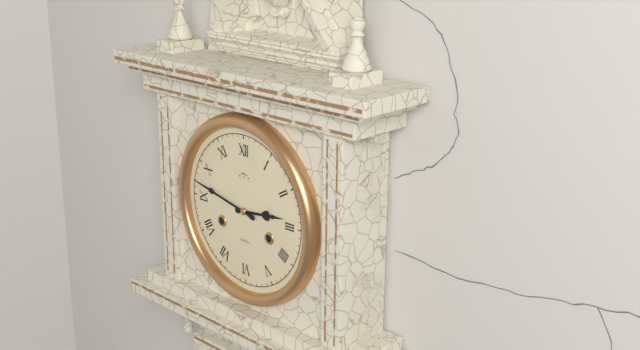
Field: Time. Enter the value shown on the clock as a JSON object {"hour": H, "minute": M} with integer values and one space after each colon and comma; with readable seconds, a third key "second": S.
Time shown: {"hour": 2, "minute": 47}
